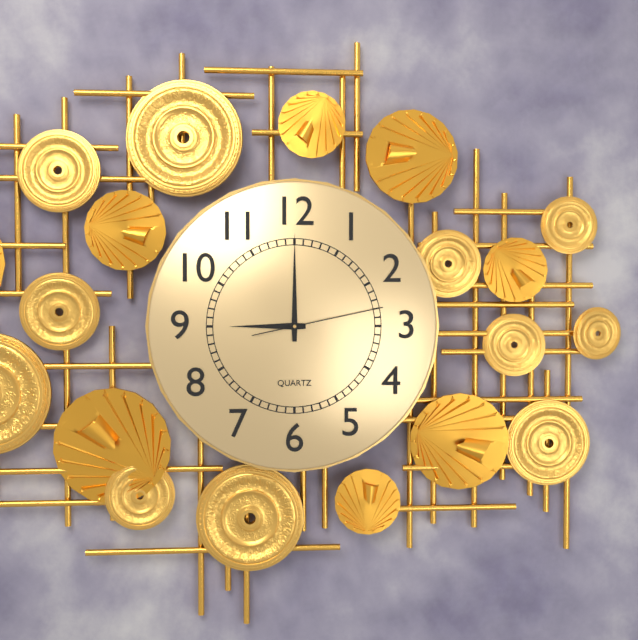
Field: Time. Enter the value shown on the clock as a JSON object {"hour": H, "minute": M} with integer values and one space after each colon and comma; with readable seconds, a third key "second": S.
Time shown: {"hour": 9, "minute": 0, "second": 13}
